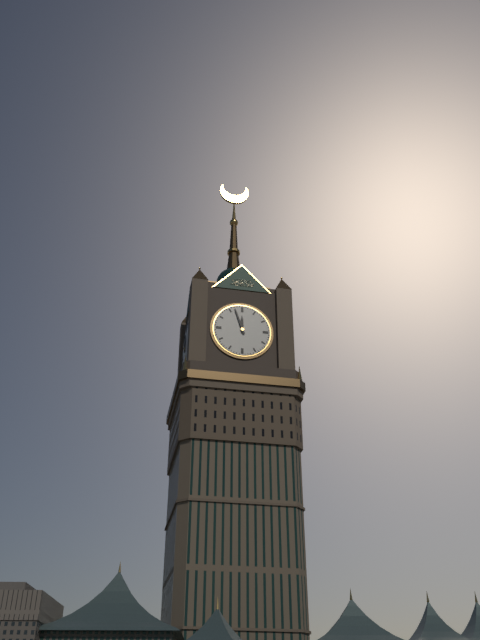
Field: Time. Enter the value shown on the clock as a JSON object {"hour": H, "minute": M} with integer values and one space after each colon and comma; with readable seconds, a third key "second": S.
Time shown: {"hour": 11, "minute": 57}
